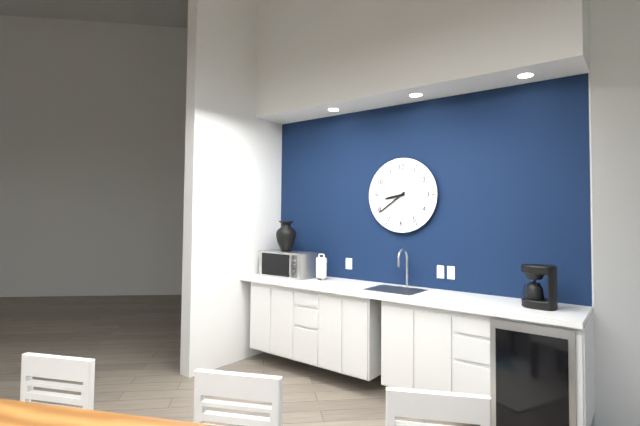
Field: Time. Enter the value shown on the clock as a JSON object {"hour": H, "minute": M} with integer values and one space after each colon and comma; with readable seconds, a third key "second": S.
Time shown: {"hour": 8, "minute": 39}
